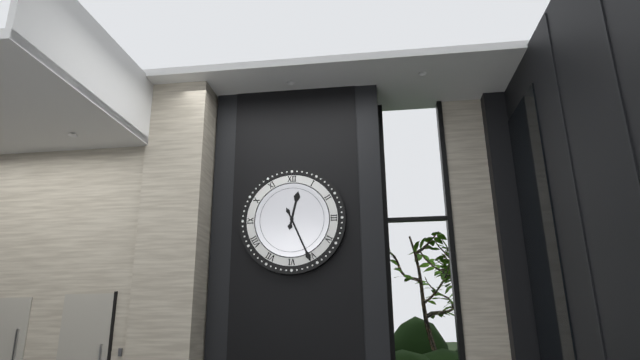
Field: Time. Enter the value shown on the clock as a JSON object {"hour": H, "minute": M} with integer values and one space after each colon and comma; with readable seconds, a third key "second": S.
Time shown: {"hour": 12, "minute": 26}
